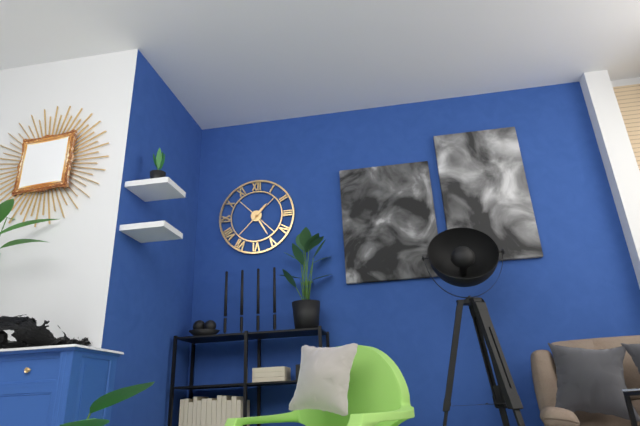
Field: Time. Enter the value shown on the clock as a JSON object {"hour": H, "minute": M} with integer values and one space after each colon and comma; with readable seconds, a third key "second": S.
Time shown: {"hour": 1, "minute": 25}
